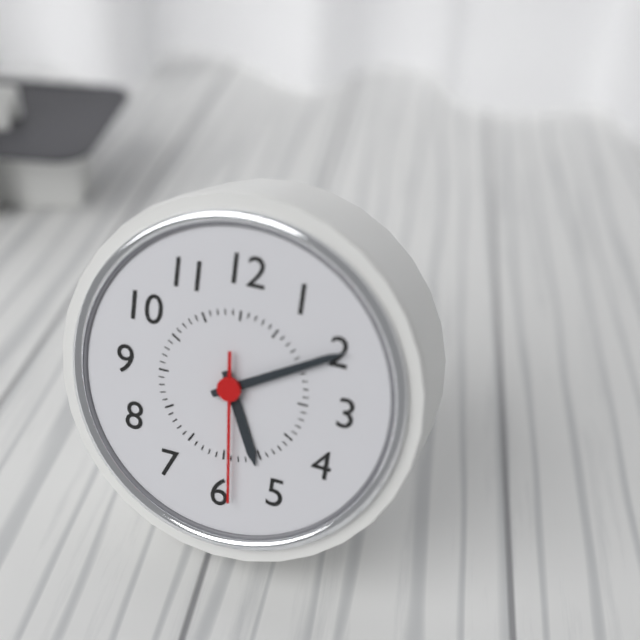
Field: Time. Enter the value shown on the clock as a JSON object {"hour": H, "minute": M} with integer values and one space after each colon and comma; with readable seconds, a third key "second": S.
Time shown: {"hour": 5, "minute": 10, "second": 29}
